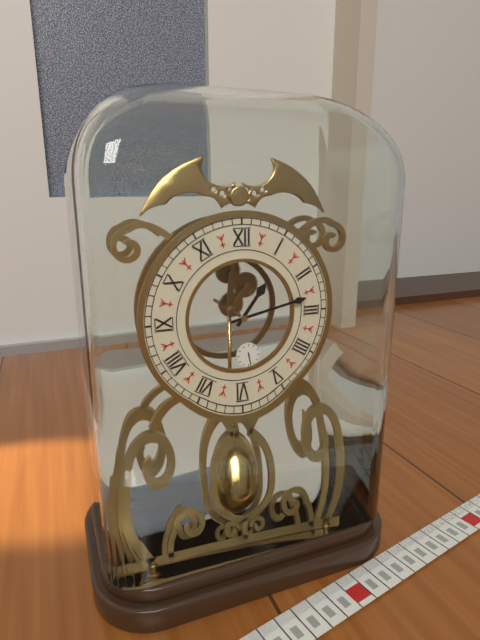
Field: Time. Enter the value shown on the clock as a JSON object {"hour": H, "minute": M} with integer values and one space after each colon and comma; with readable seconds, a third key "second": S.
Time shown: {"hour": 1, "minute": 13}
